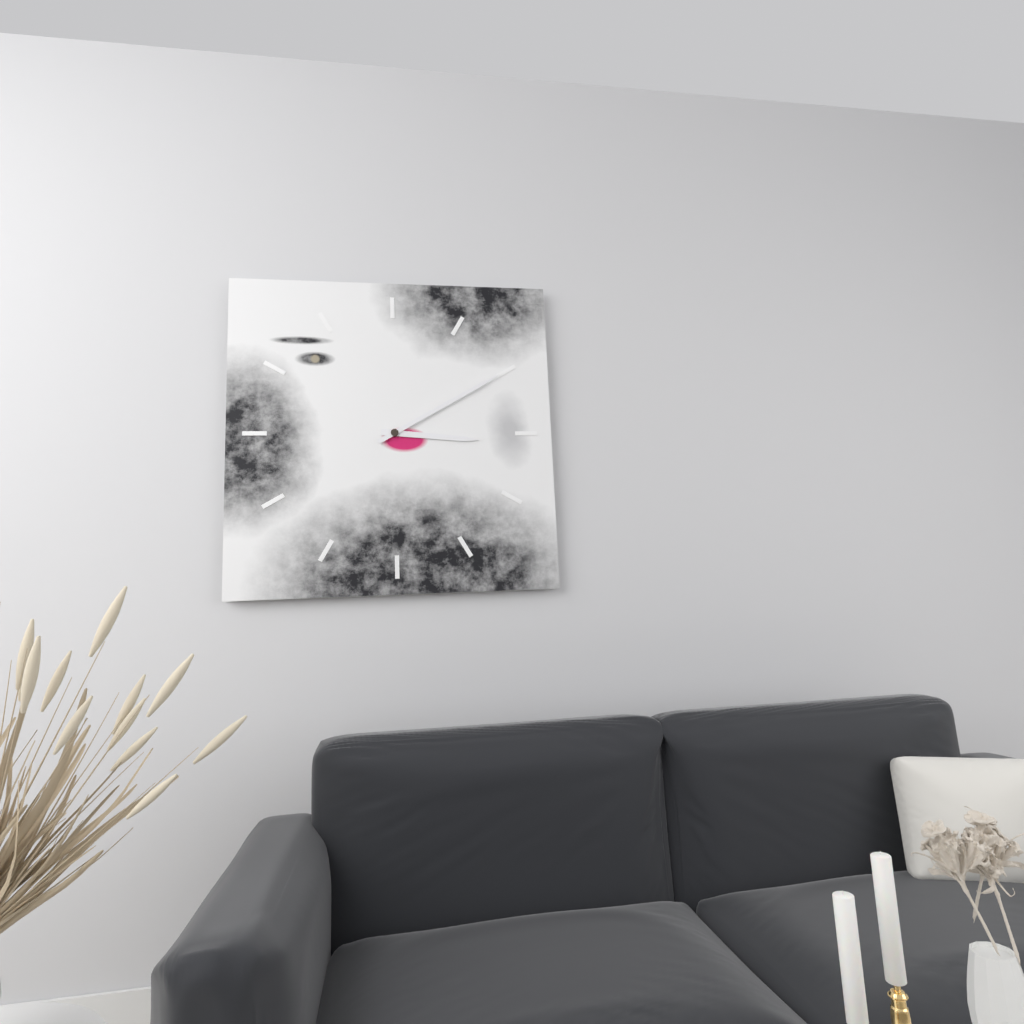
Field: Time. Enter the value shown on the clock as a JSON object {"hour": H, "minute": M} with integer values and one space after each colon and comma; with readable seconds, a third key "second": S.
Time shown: {"hour": 3, "minute": 10}
